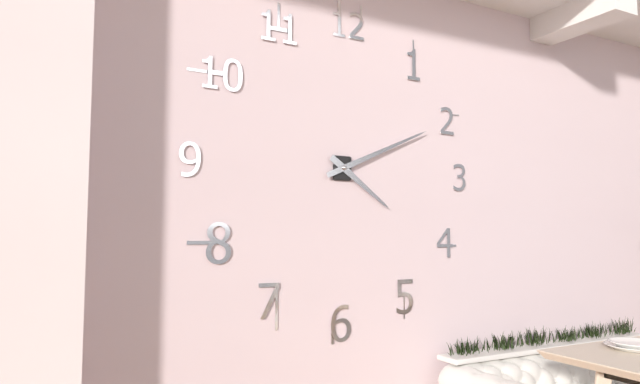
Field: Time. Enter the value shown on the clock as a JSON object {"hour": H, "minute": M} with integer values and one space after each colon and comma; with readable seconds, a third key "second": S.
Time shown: {"hour": 4, "minute": 11}
